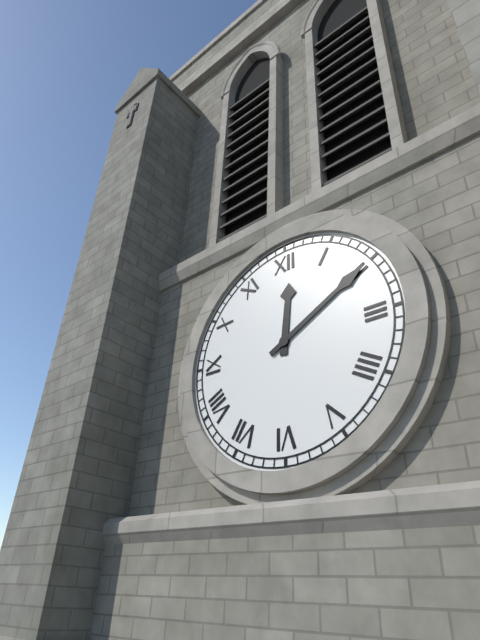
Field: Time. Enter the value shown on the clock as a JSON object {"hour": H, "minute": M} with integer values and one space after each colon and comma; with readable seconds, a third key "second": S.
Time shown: {"hour": 12, "minute": 10}
